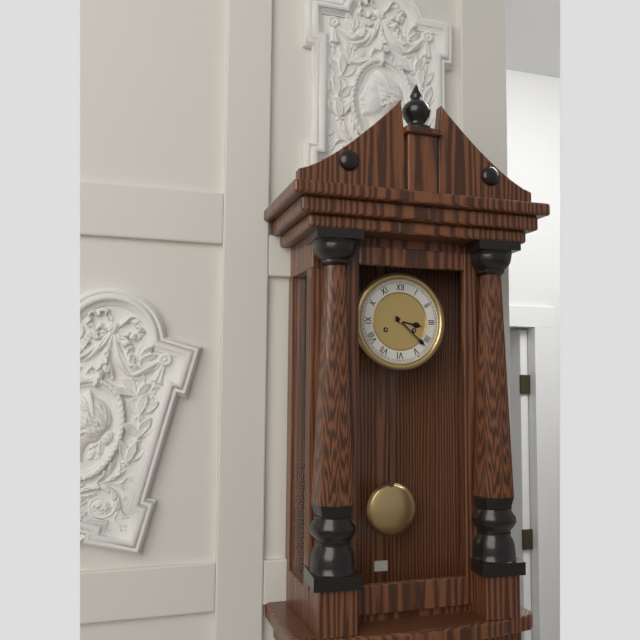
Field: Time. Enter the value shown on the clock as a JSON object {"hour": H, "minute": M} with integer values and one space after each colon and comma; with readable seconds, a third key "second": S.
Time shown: {"hour": 3, "minute": 22}
